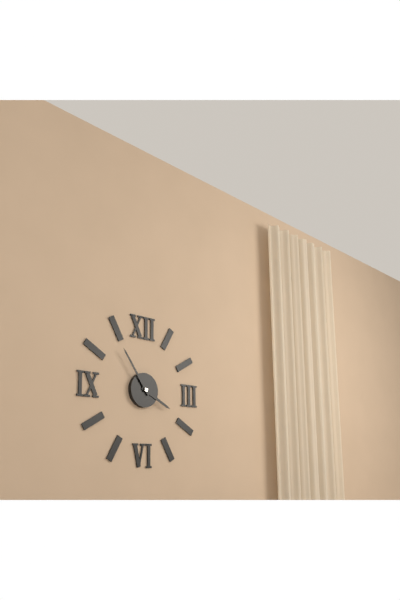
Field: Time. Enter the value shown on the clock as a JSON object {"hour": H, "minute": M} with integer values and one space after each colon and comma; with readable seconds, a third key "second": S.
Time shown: {"hour": 3, "minute": 54}
